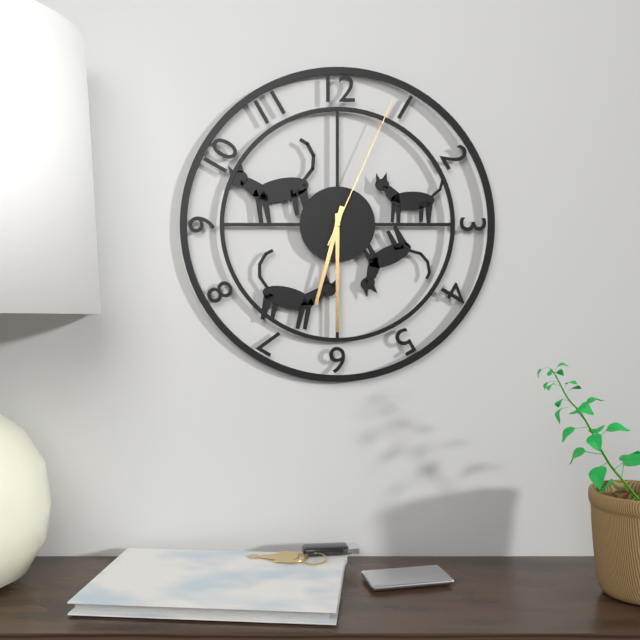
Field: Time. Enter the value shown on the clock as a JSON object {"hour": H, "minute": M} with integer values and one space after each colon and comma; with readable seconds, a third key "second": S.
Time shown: {"hour": 6, "minute": 30, "second": 4}
